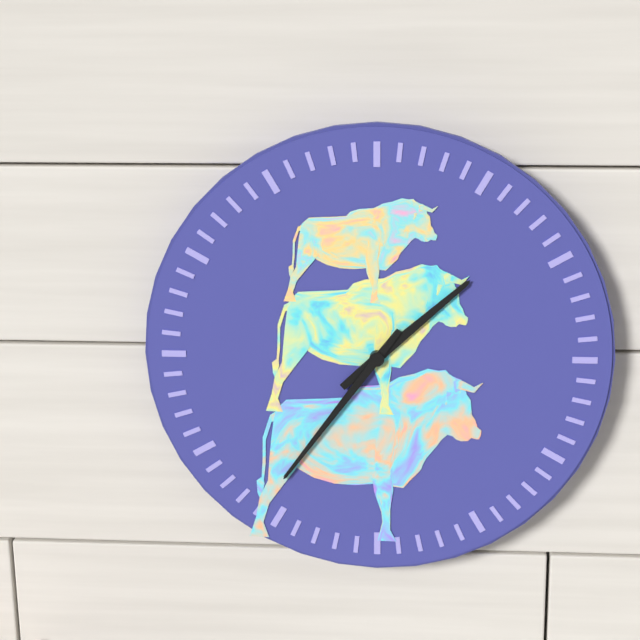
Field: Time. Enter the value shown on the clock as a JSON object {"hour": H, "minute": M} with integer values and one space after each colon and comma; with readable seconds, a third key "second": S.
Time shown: {"hour": 1, "minute": 36}
